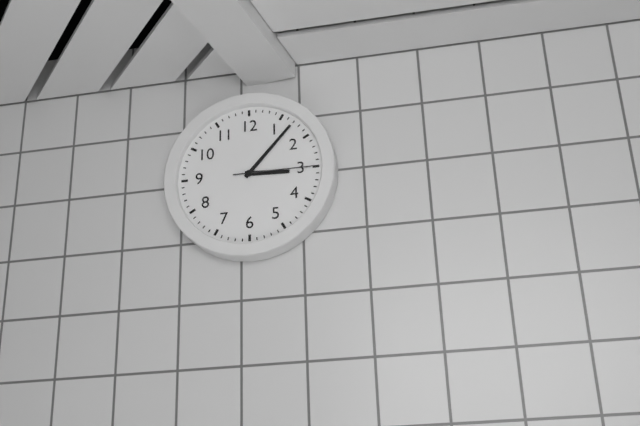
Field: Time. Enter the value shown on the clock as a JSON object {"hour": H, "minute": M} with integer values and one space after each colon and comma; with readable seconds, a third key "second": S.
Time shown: {"hour": 3, "minute": 7, "second": 15}
